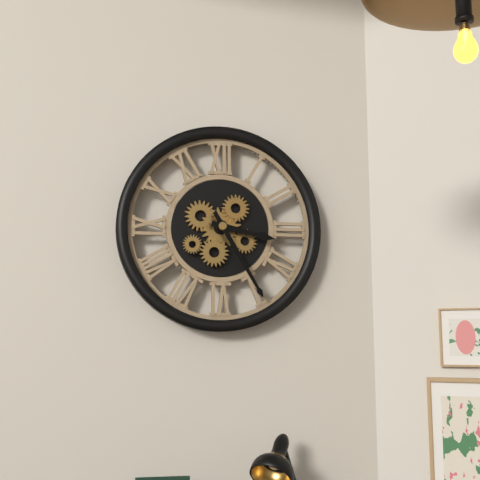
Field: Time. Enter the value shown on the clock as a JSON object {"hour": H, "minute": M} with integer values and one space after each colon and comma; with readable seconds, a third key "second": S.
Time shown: {"hour": 3, "minute": 25}
